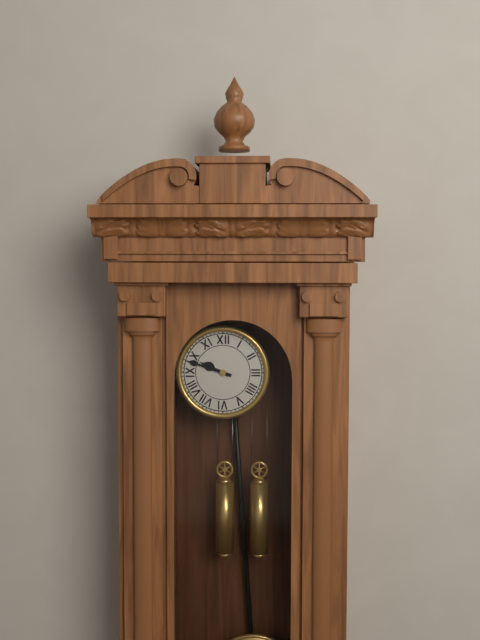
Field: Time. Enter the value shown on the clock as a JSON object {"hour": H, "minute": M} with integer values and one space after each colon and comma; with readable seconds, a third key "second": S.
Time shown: {"hour": 9, "minute": 48}
